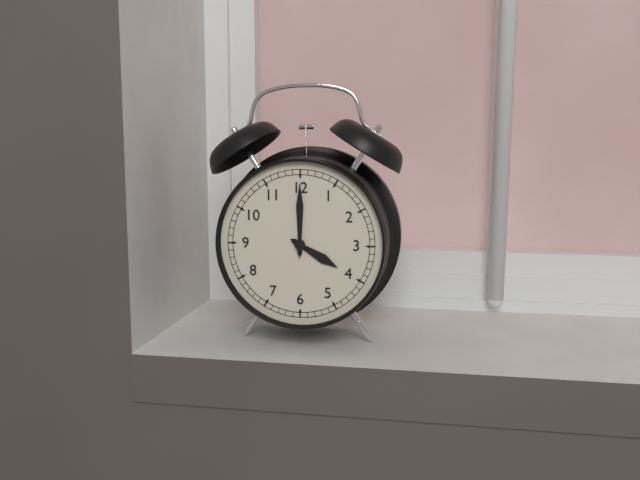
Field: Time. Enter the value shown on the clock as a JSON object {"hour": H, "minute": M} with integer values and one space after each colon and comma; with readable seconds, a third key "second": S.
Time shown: {"hour": 4, "minute": 0}
